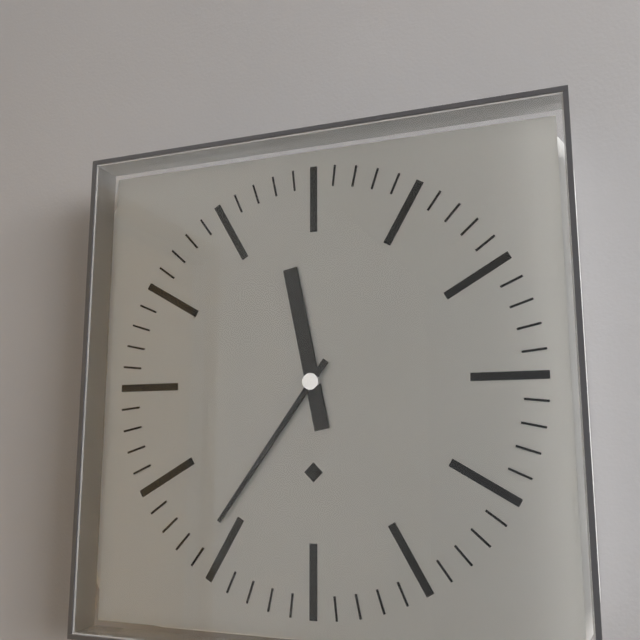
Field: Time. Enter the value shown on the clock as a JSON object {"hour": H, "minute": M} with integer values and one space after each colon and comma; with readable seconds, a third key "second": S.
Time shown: {"hour": 11, "minute": 36}
